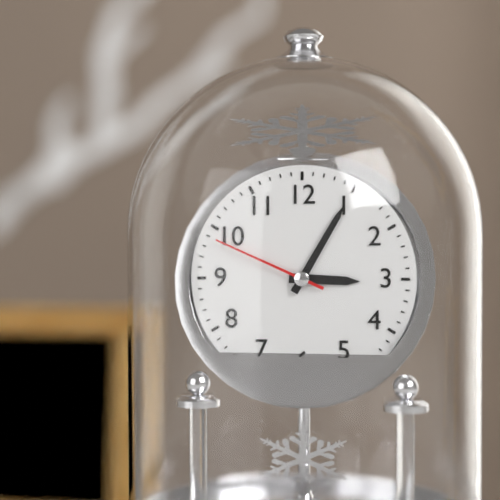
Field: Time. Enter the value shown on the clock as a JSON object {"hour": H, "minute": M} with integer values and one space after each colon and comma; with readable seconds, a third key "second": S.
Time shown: {"hour": 3, "minute": 5, "second": 49}
